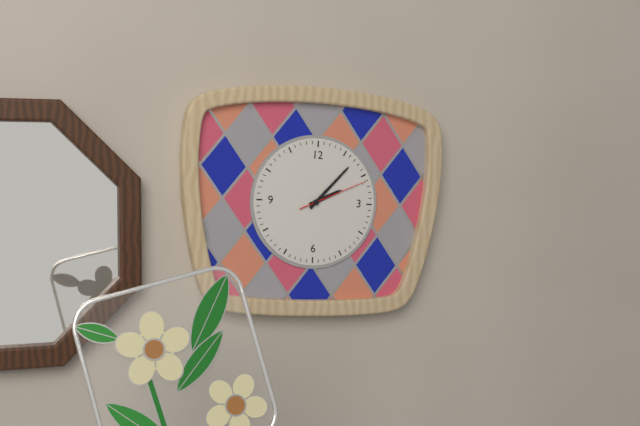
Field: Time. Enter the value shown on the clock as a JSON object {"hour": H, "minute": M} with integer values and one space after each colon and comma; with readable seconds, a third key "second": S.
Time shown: {"hour": 2, "minute": 7, "second": 11}
